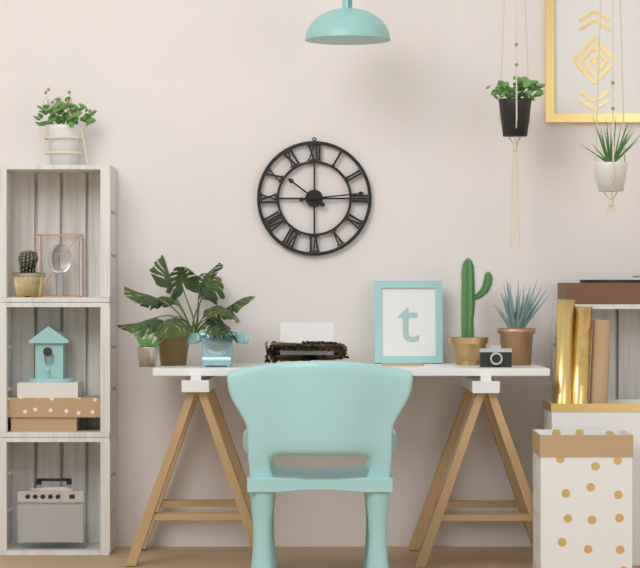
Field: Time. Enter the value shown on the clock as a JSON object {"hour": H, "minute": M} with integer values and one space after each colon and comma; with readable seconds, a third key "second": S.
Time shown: {"hour": 10, "minute": 14}
